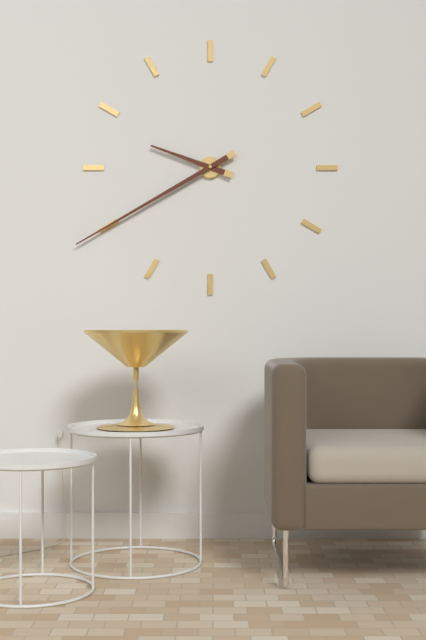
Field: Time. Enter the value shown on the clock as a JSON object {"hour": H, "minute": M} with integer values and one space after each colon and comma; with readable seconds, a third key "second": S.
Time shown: {"hour": 9, "minute": 40}
